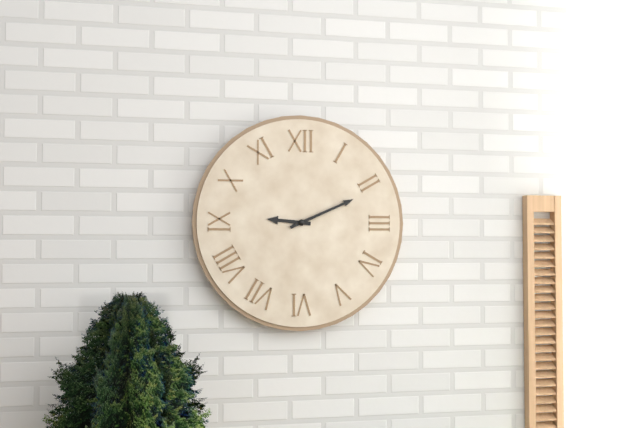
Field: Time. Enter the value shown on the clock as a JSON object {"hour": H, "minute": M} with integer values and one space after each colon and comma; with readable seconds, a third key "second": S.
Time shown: {"hour": 9, "minute": 11}
